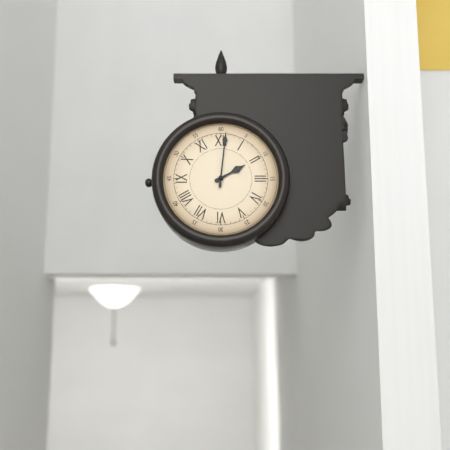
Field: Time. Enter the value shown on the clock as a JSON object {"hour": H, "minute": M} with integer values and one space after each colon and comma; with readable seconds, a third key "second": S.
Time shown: {"hour": 2, "minute": 1}
